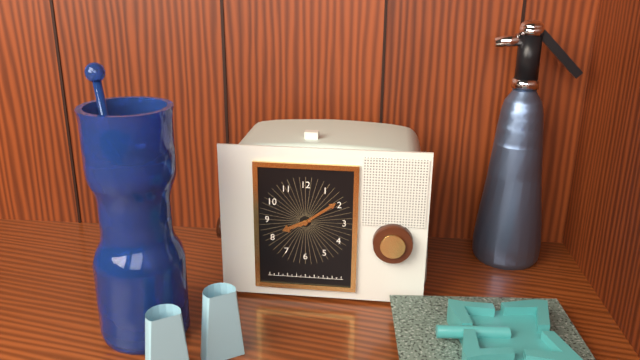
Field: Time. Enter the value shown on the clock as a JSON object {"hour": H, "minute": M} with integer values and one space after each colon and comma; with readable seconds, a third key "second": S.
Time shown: {"hour": 8, "minute": 9}
